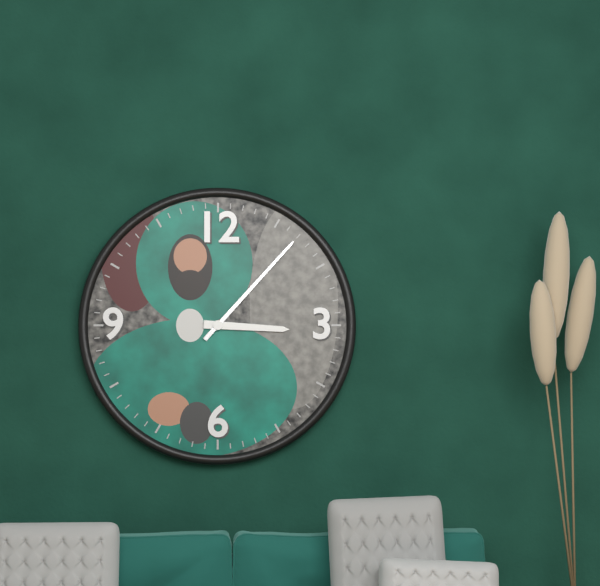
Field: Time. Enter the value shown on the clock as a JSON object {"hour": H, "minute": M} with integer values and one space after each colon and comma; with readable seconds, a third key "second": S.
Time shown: {"hour": 3, "minute": 7}
